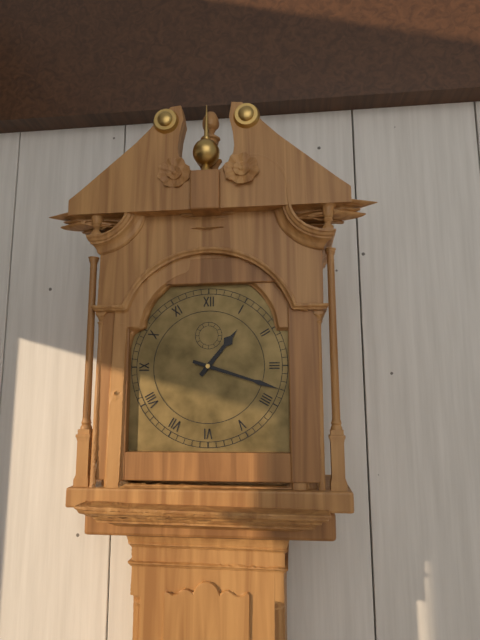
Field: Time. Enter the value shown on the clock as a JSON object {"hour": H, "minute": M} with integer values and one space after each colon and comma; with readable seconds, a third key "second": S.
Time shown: {"hour": 1, "minute": 18}
